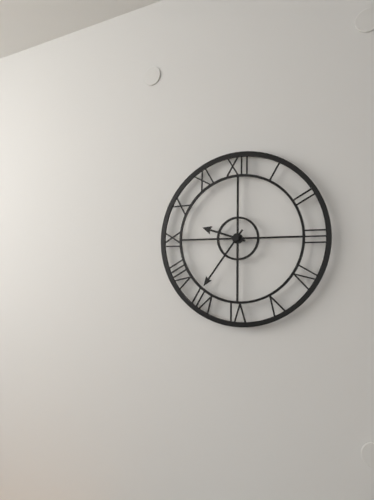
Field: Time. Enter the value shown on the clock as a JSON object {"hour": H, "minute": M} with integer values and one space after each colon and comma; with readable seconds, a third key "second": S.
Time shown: {"hour": 9, "minute": 36}
